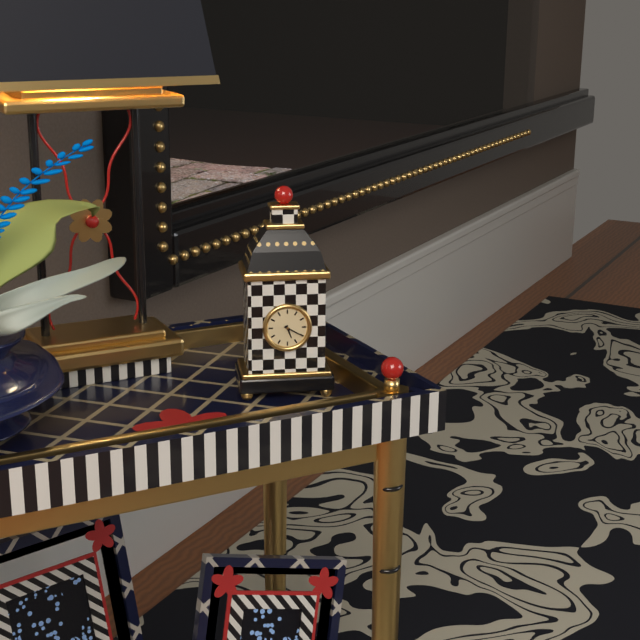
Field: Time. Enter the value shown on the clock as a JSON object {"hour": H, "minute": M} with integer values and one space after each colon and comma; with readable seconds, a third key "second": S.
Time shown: {"hour": 5, "minute": 20}
